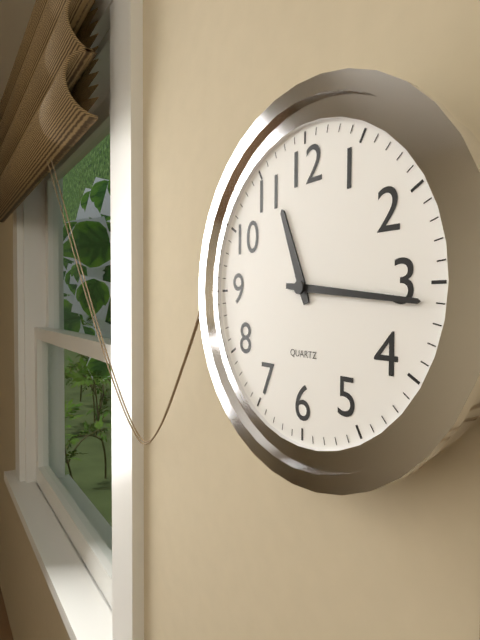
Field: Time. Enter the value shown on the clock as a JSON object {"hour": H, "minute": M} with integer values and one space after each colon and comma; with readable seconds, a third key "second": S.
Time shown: {"hour": 11, "minute": 16}
